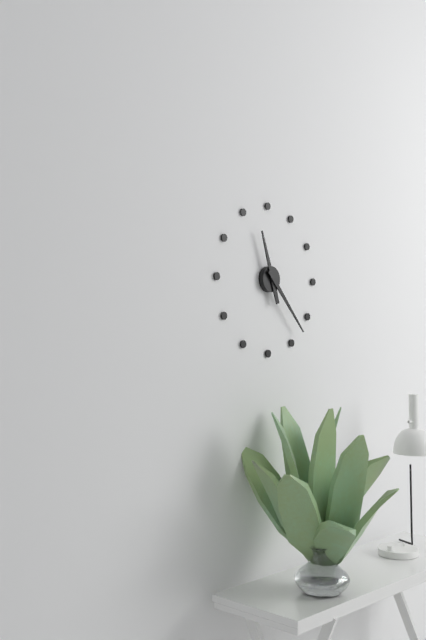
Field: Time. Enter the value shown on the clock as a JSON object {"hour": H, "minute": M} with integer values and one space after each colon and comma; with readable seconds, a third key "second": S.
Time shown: {"hour": 11, "minute": 23}
